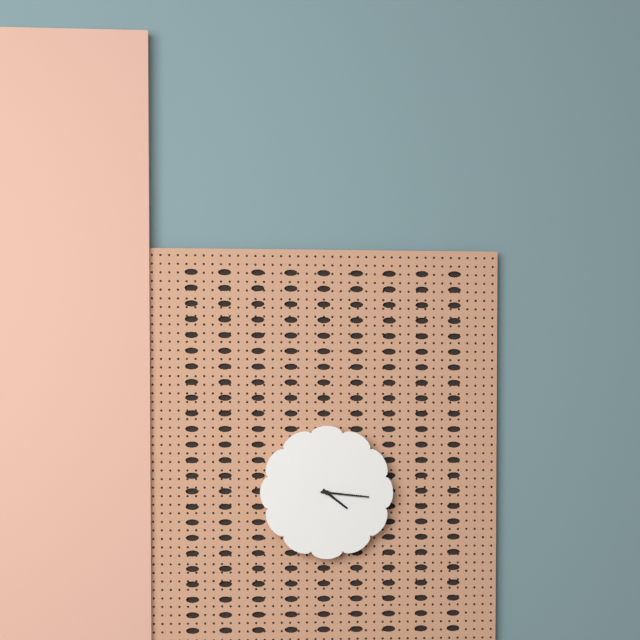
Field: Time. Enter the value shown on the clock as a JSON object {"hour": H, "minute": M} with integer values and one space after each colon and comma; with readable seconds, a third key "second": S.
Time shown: {"hour": 4, "minute": 16}
